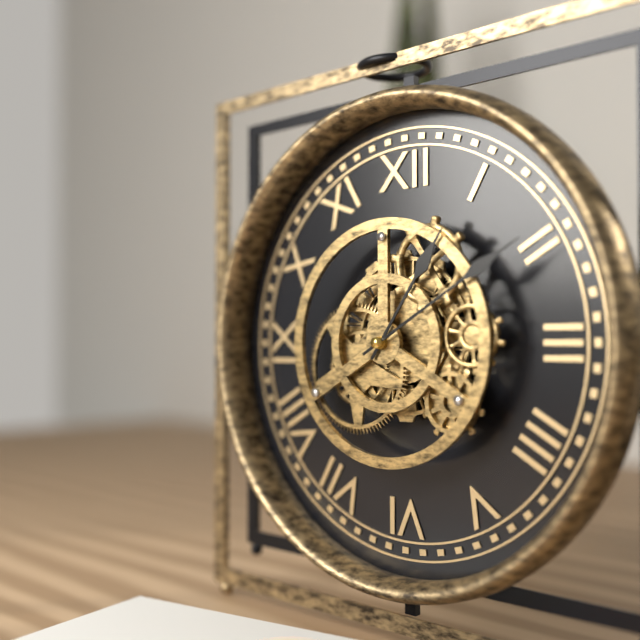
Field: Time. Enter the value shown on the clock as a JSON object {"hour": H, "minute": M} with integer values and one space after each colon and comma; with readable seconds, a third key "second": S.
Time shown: {"hour": 1, "minute": 10}
